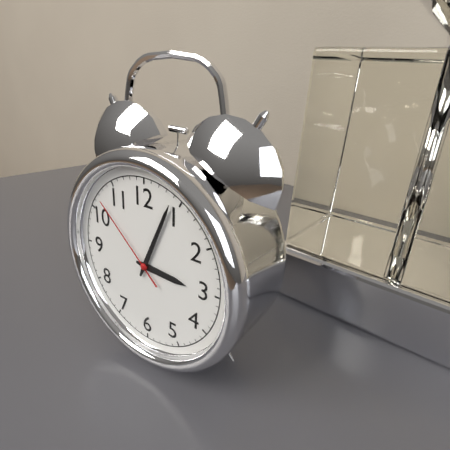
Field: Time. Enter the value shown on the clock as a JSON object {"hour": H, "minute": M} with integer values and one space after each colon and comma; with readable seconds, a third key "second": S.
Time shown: {"hour": 3, "minute": 4, "second": 52}
